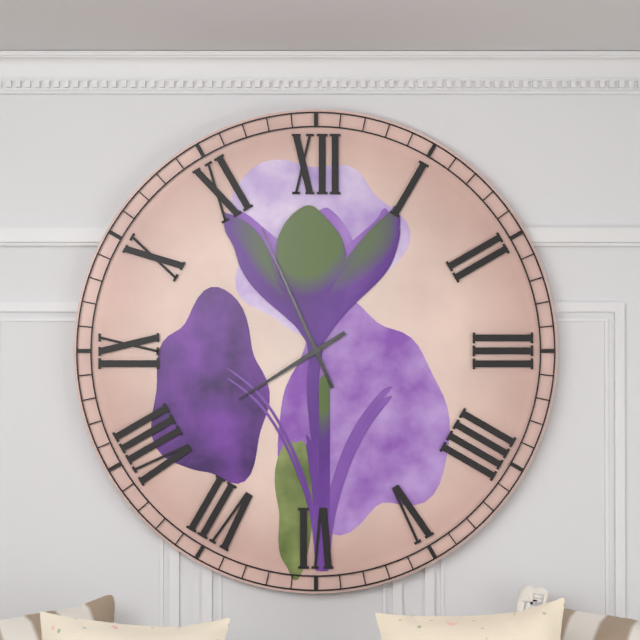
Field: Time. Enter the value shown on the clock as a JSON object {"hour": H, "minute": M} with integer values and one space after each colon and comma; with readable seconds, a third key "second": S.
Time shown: {"hour": 7, "minute": 56}
